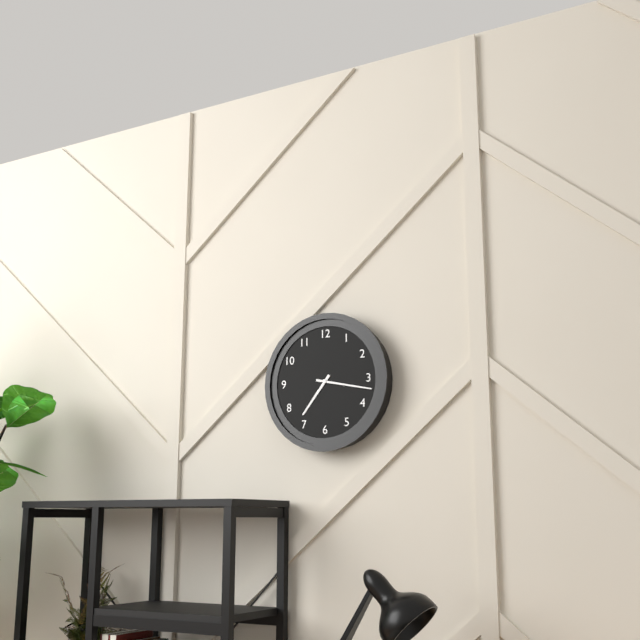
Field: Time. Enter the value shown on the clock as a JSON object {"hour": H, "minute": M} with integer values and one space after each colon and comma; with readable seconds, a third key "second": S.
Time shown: {"hour": 7, "minute": 17}
